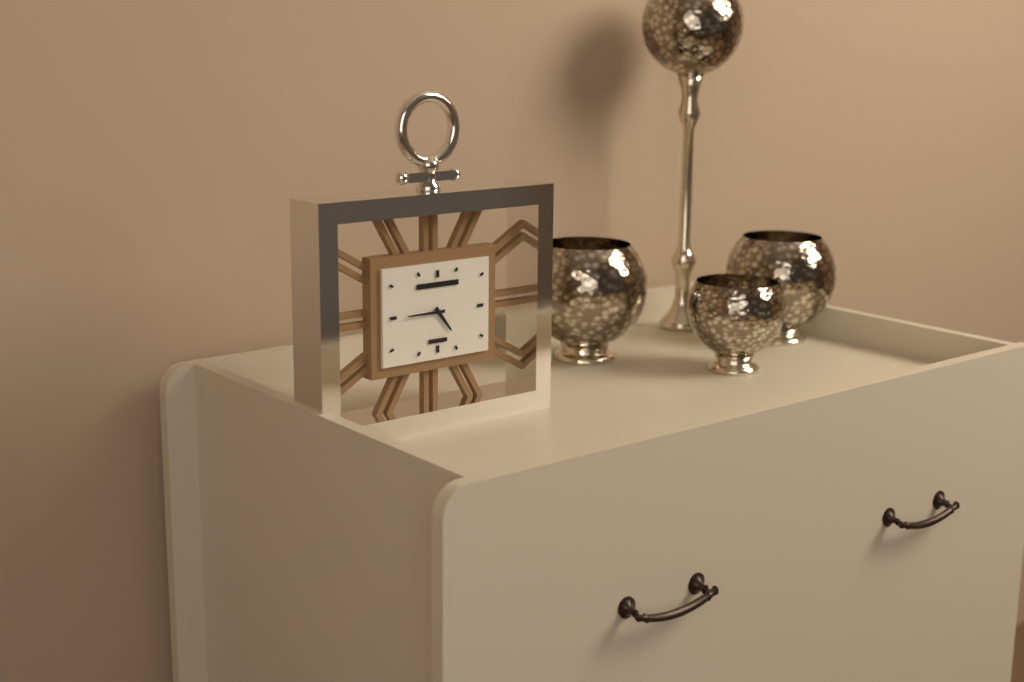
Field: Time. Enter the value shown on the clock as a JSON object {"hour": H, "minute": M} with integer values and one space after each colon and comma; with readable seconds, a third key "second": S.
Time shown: {"hour": 4, "minute": 45}
